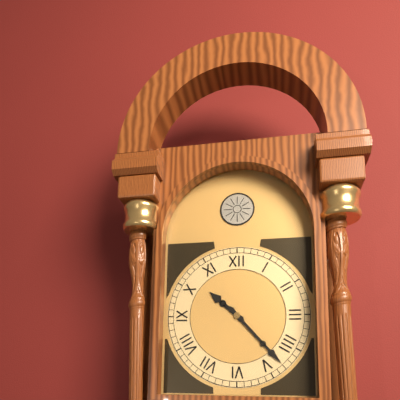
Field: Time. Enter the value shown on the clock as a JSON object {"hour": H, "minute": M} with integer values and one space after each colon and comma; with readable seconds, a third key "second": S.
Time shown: {"hour": 10, "minute": 23}
